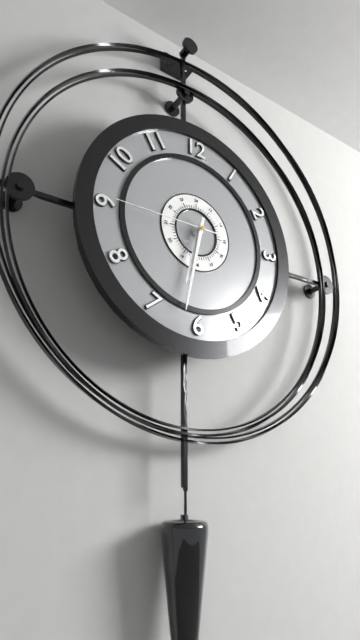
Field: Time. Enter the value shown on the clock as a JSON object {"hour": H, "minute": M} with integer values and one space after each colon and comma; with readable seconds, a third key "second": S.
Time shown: {"hour": 6, "minute": 32, "second": 45}
